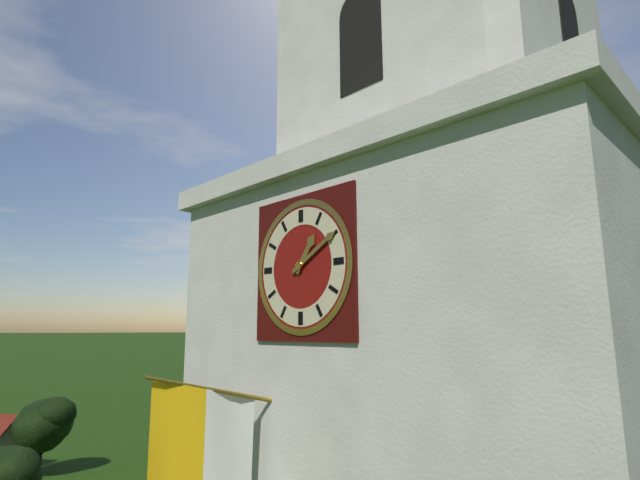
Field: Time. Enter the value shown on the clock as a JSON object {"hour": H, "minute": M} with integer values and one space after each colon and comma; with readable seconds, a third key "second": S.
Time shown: {"hour": 1, "minute": 10}
